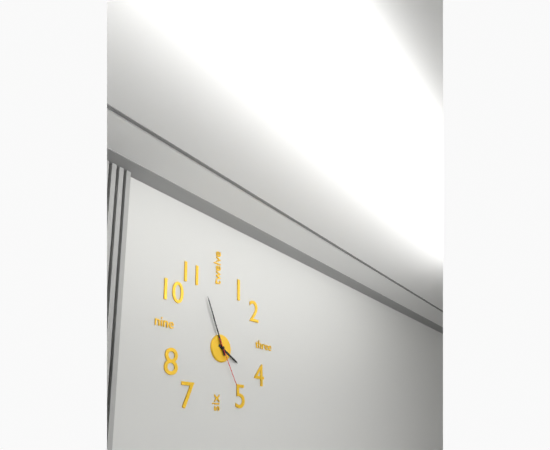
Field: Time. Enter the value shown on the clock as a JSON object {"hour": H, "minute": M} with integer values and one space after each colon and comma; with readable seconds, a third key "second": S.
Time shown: {"hour": 3, "minute": 56, "second": 25}
